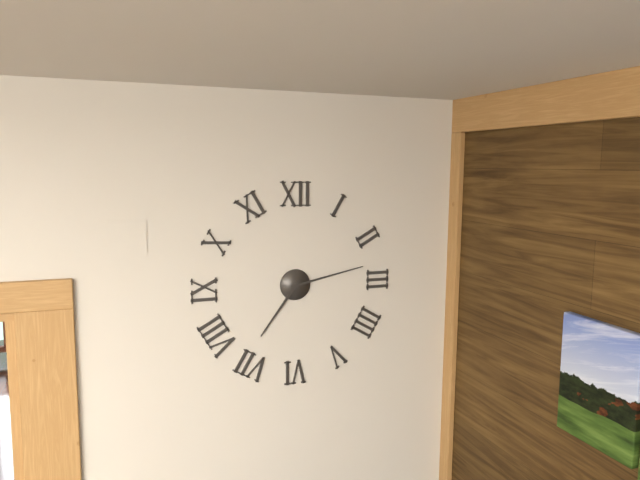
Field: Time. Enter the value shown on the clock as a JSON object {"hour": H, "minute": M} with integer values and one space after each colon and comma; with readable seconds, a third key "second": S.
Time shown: {"hour": 7, "minute": 13}
